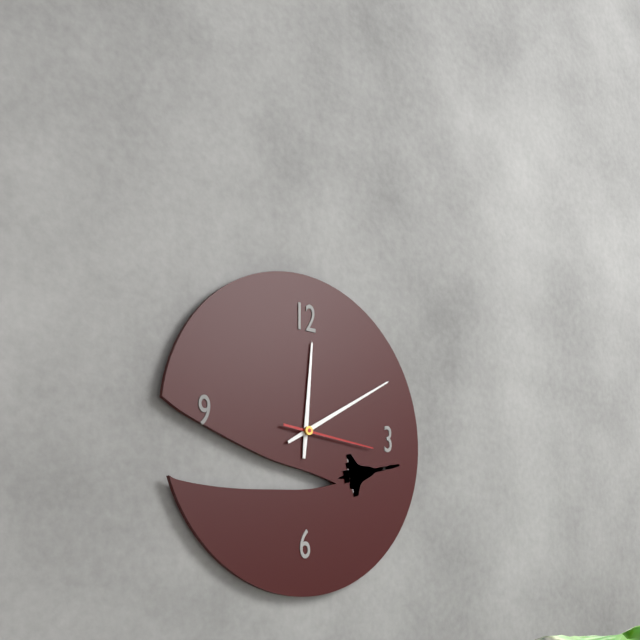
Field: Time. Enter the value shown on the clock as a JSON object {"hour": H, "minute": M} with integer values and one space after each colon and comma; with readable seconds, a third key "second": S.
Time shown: {"hour": 12, "minute": 10, "second": 16}
